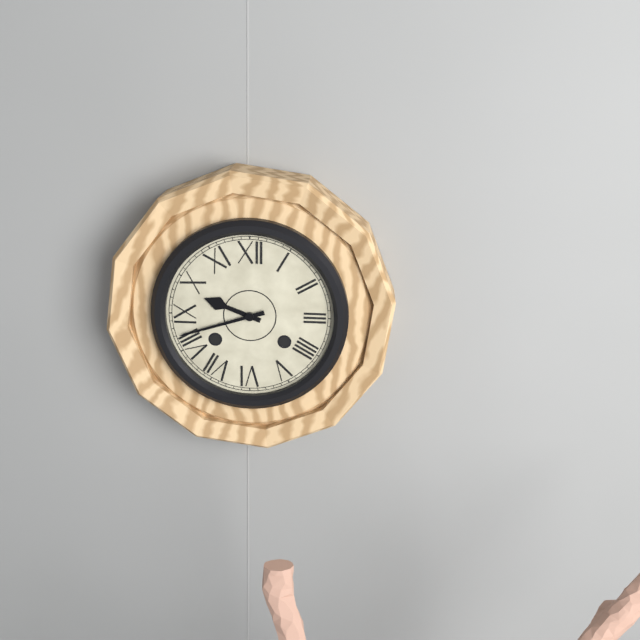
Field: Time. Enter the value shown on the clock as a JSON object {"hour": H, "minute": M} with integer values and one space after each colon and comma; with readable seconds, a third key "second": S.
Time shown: {"hour": 9, "minute": 42}
